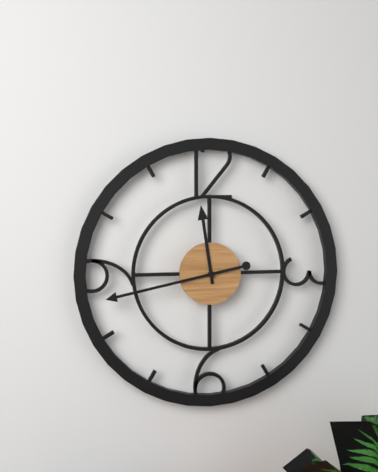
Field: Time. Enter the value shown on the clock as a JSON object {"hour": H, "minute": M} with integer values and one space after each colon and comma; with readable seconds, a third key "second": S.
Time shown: {"hour": 11, "minute": 43}
